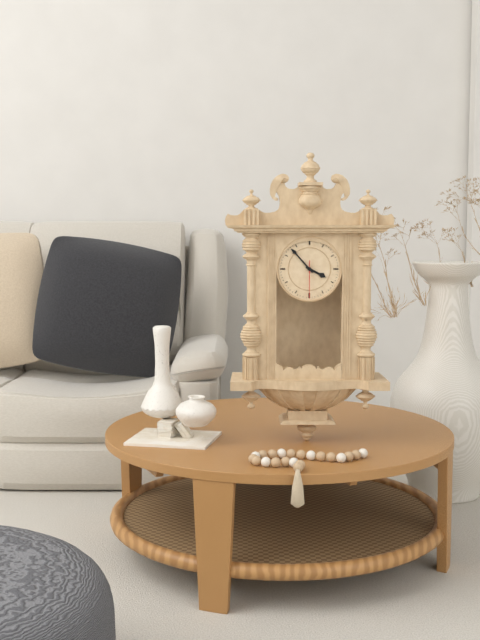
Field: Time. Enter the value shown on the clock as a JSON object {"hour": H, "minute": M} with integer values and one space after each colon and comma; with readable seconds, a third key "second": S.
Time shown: {"hour": 3, "minute": 53}
